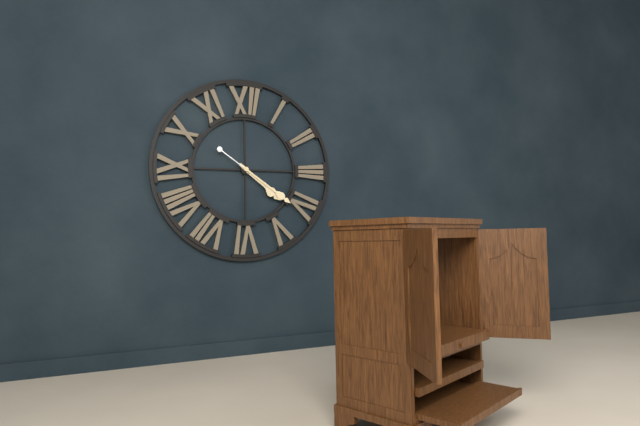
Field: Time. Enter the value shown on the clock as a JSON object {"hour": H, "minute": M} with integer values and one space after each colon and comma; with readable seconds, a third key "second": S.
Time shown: {"hour": 4, "minute": 21}
